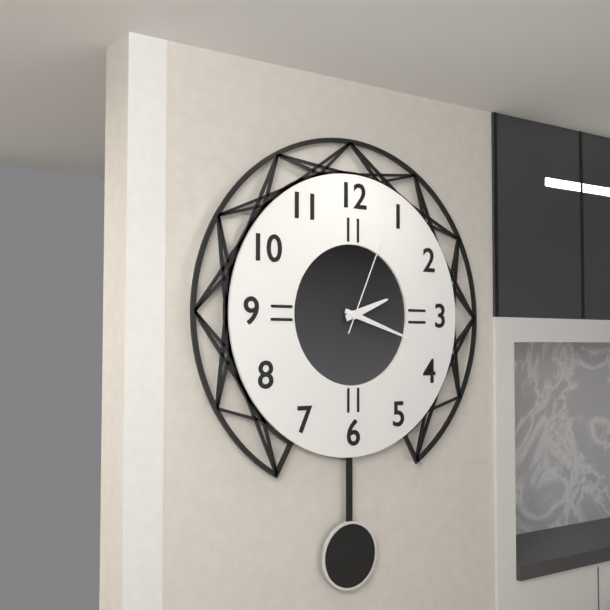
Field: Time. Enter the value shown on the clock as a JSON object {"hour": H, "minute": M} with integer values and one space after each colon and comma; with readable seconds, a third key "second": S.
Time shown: {"hour": 2, "minute": 18, "second": 4}
